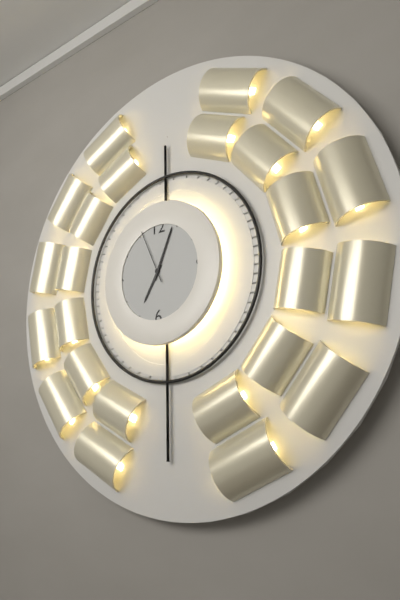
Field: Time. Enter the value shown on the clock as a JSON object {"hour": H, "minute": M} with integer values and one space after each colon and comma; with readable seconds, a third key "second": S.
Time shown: {"hour": 7, "minute": 4, "second": 56}
